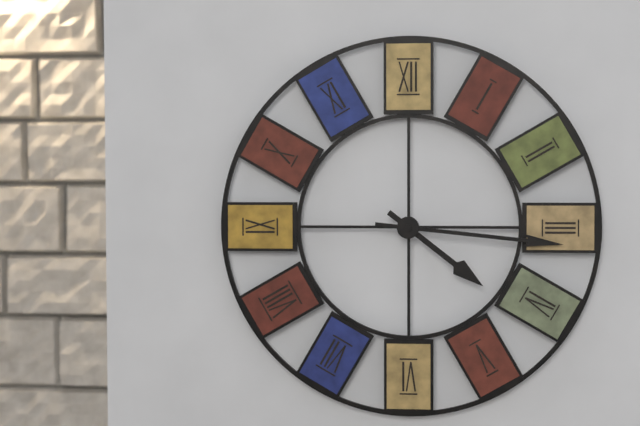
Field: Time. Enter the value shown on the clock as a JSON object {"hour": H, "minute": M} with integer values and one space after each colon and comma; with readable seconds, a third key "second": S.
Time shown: {"hour": 4, "minute": 16}
